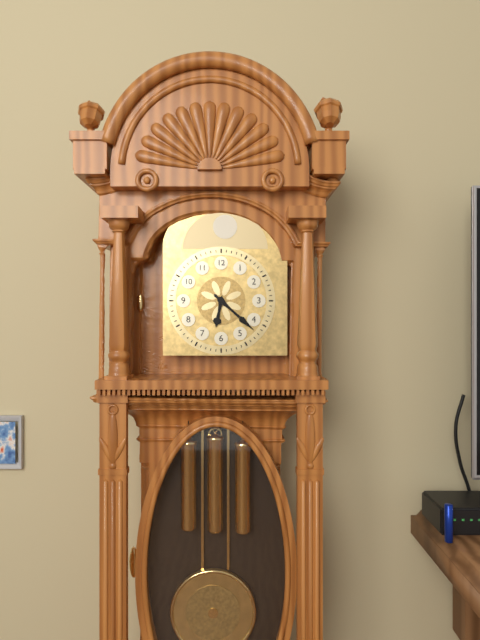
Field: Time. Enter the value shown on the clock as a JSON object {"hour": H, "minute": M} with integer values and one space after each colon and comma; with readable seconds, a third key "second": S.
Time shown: {"hour": 6, "minute": 22}
